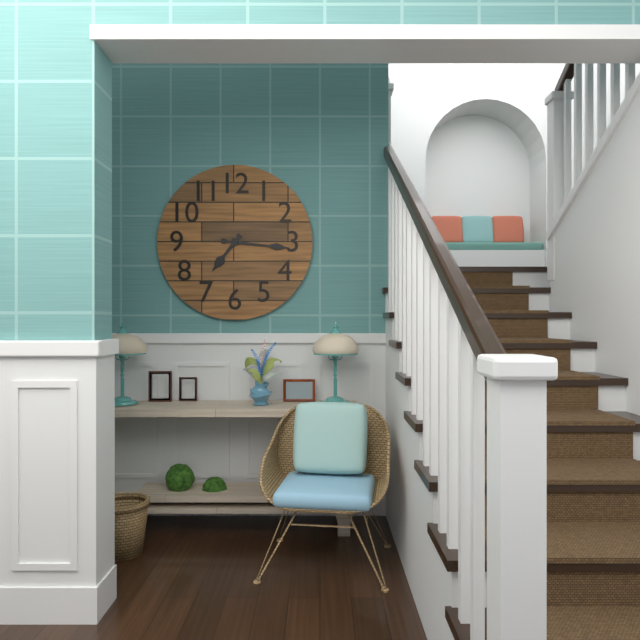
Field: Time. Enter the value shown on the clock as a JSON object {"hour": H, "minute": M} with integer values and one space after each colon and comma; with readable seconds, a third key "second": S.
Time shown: {"hour": 7, "minute": 16}
